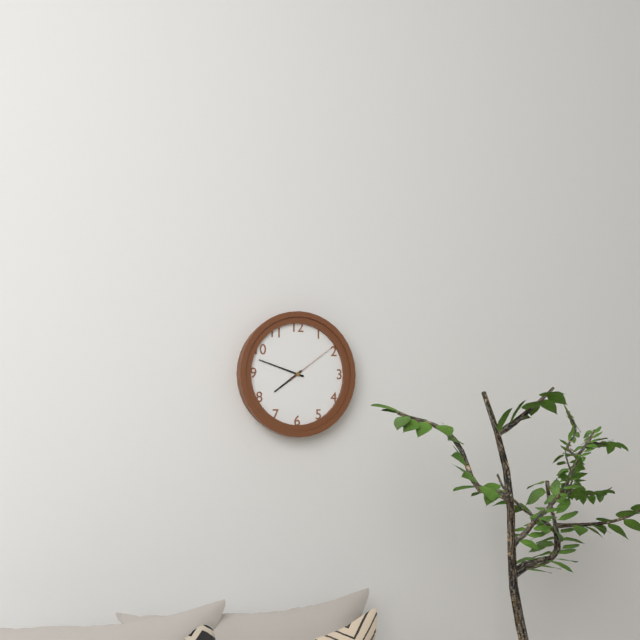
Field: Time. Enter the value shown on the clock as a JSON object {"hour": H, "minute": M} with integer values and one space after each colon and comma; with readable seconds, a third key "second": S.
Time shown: {"hour": 7, "minute": 48, "second": 9}
